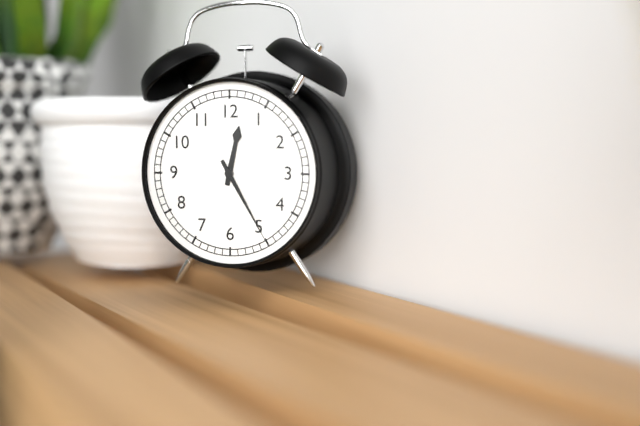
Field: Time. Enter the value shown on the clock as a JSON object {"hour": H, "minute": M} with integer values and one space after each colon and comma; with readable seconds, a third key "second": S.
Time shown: {"hour": 12, "minute": 25}
